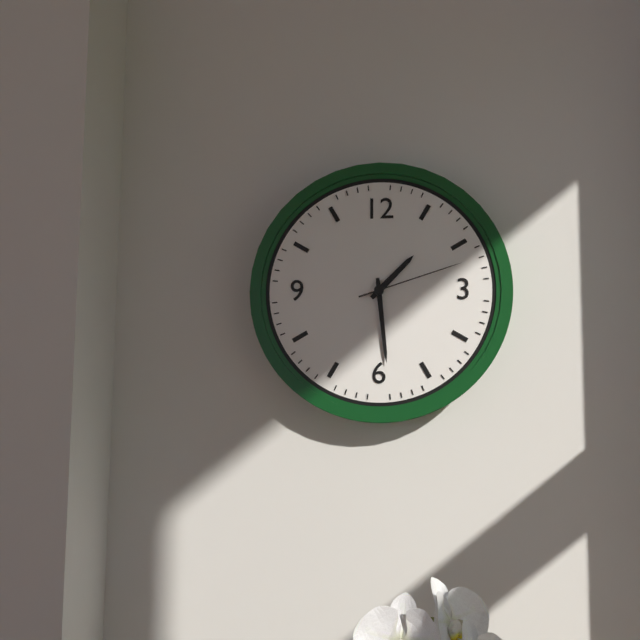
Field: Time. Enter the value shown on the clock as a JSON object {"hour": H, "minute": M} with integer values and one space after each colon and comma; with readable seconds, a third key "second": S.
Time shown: {"hour": 1, "minute": 29, "second": 12}
